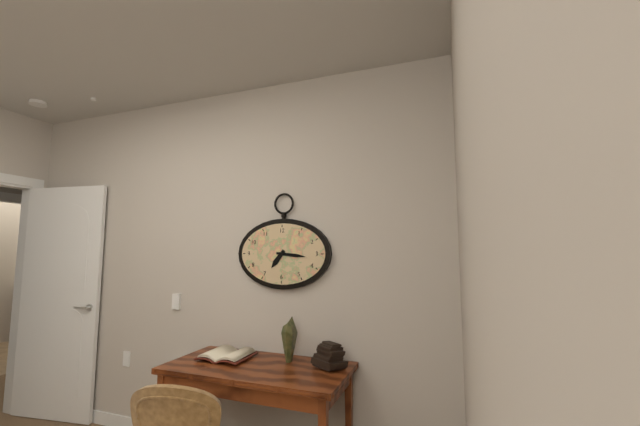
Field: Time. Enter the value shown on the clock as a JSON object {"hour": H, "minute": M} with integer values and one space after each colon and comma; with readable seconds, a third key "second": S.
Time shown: {"hour": 7, "minute": 16}
